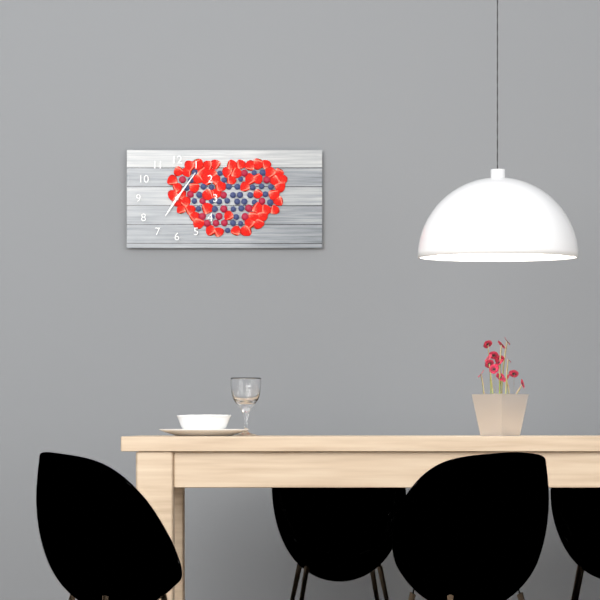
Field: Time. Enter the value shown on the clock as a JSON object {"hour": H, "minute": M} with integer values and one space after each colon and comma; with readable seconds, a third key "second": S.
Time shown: {"hour": 7, "minute": 6}
